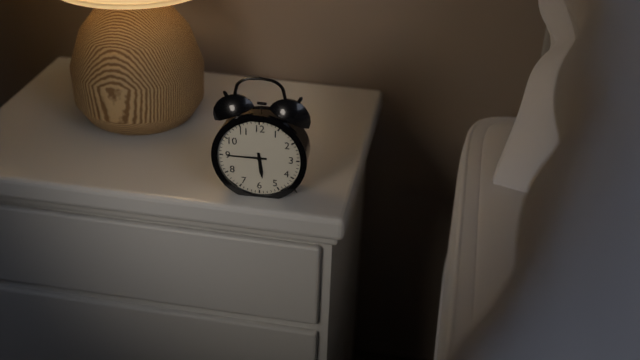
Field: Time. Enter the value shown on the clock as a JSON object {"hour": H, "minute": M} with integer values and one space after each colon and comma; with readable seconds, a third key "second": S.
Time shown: {"hour": 5, "minute": 45}
